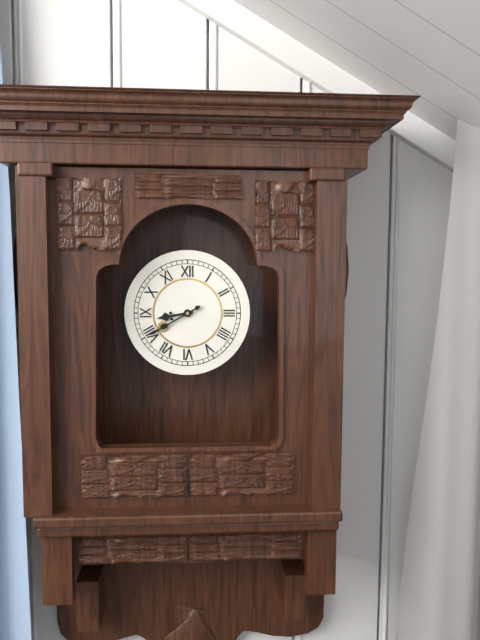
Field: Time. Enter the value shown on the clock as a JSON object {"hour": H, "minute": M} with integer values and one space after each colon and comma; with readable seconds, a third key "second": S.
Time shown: {"hour": 8, "minute": 40}
